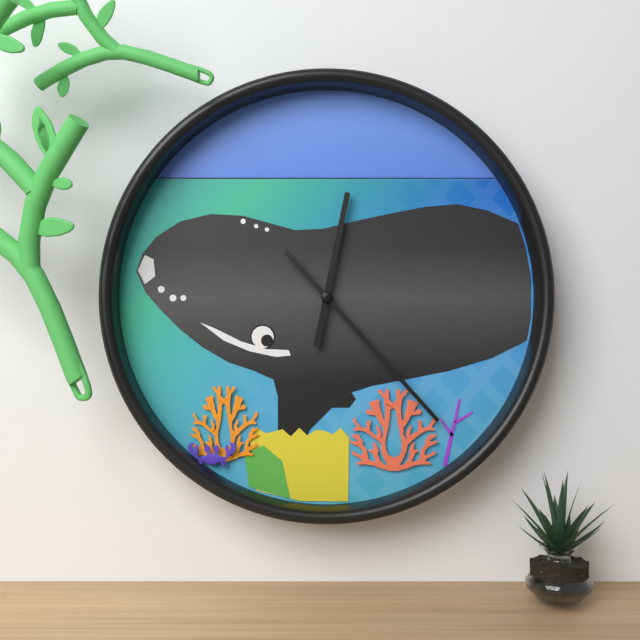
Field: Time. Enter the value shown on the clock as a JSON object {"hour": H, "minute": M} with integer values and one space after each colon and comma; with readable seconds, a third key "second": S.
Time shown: {"hour": 12, "minute": 23}
